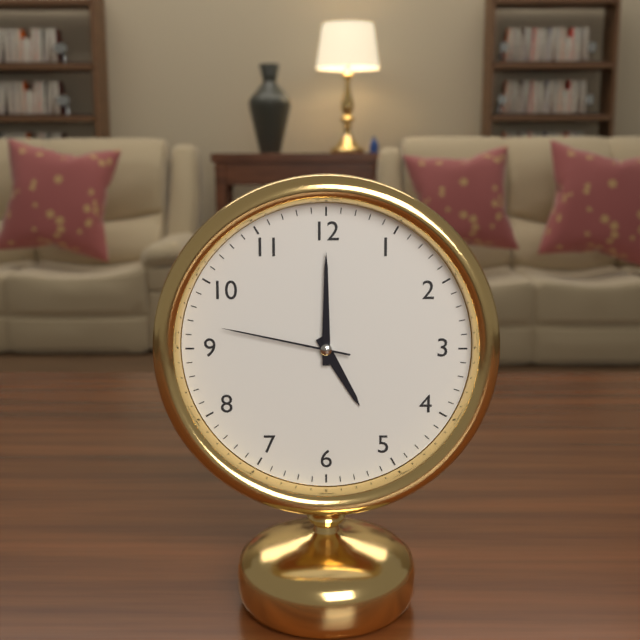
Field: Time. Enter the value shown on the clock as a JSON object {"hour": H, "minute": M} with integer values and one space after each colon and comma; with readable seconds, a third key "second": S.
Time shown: {"hour": 5, "minute": 0, "second": 47}
